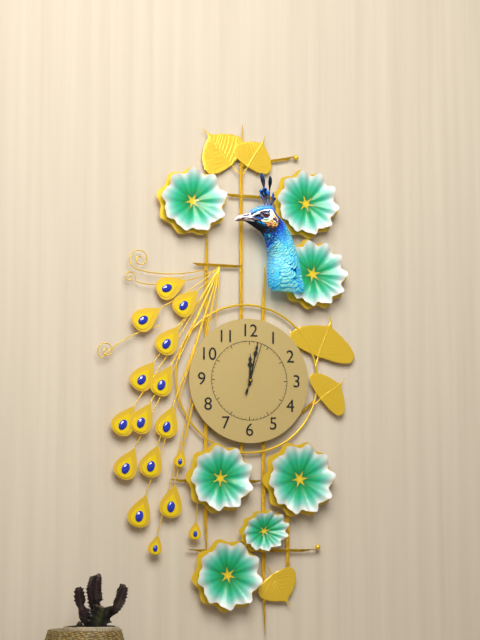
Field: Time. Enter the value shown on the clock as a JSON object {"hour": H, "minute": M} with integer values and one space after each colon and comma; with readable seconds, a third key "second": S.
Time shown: {"hour": 12, "minute": 2}
